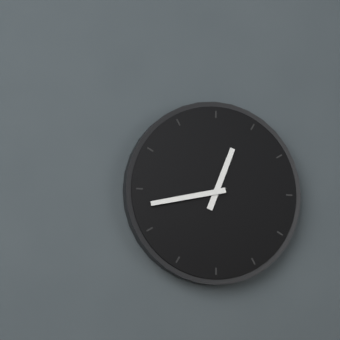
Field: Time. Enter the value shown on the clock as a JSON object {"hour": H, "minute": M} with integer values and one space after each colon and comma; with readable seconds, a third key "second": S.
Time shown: {"hour": 12, "minute": 43}
